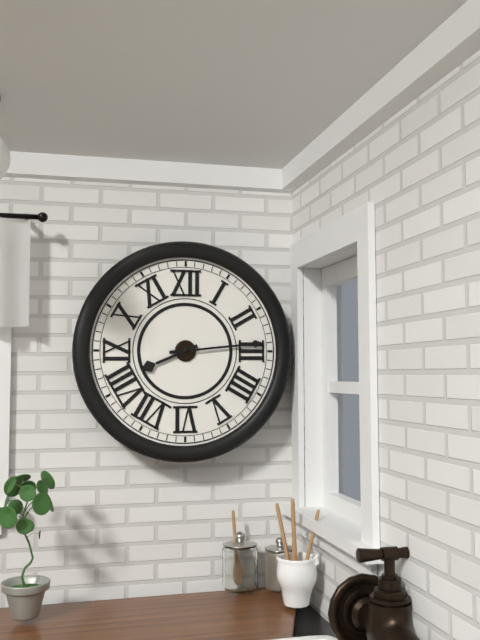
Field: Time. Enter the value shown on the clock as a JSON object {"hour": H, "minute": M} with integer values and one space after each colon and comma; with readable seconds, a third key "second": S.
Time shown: {"hour": 8, "minute": 14}
